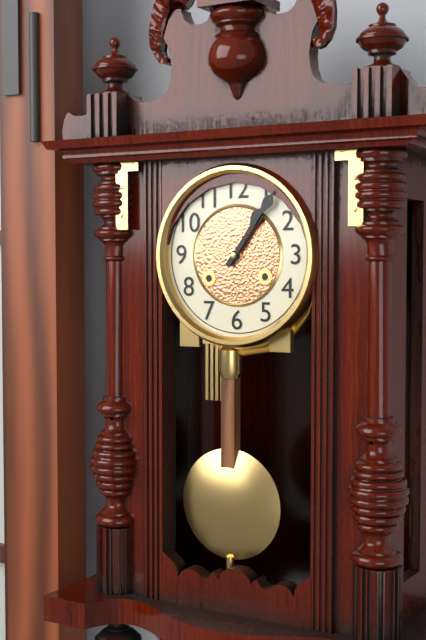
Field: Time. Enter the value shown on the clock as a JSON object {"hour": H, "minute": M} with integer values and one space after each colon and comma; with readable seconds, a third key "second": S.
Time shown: {"hour": 1, "minute": 6}
